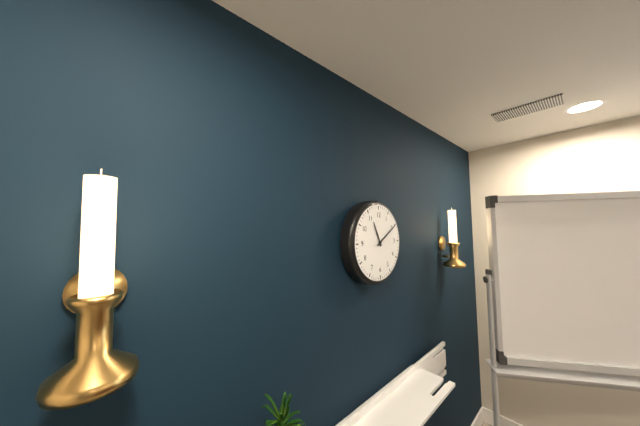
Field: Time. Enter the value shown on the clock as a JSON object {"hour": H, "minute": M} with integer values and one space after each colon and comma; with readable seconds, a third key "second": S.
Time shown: {"hour": 11, "minute": 10}
